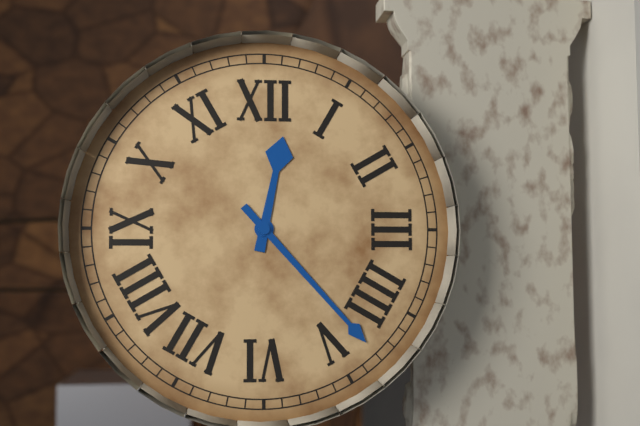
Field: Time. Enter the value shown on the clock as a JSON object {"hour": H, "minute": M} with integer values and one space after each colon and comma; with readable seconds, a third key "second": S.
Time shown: {"hour": 12, "minute": 23}
